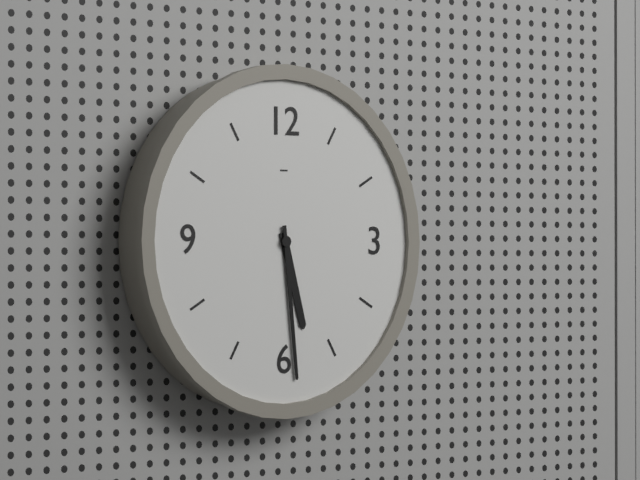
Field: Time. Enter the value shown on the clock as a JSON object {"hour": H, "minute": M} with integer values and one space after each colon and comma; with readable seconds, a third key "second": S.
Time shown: {"hour": 5, "minute": 29}
